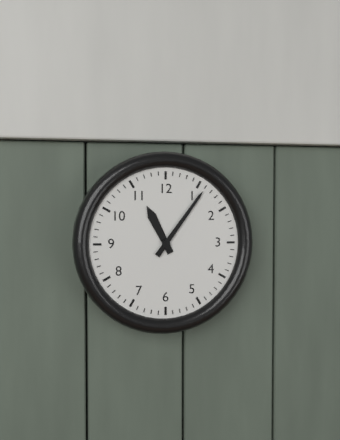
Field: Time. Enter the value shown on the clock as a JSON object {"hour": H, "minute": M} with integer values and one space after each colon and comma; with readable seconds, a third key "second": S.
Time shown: {"hour": 11, "minute": 6}
